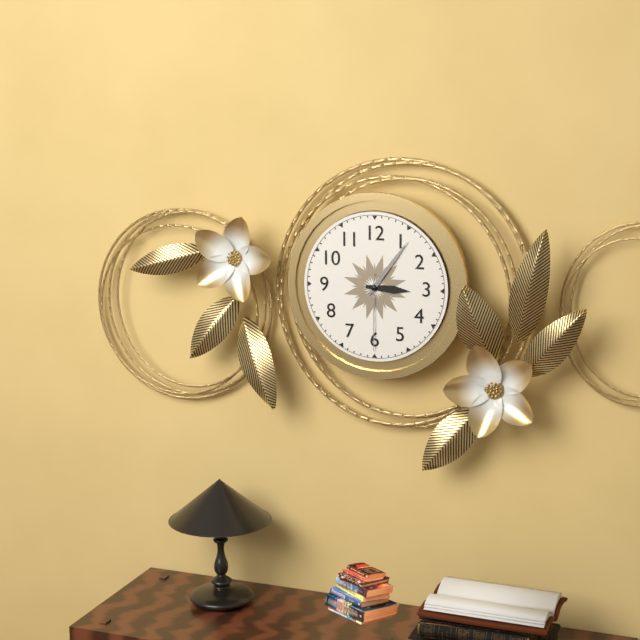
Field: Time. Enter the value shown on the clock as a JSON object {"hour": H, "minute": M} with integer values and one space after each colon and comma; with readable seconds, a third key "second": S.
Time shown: {"hour": 3, "minute": 6, "second": 30}
